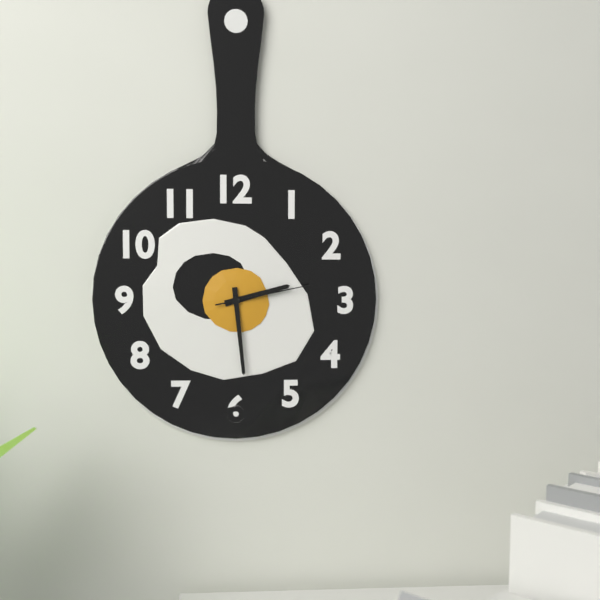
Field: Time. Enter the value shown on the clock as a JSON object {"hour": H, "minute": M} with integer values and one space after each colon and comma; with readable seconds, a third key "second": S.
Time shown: {"hour": 2, "minute": 29, "second": 13}
